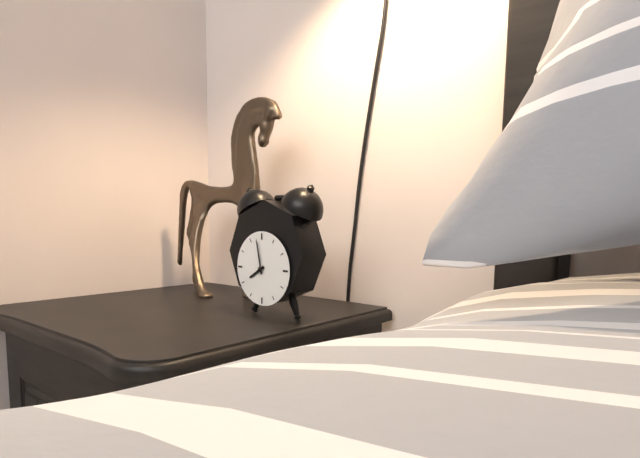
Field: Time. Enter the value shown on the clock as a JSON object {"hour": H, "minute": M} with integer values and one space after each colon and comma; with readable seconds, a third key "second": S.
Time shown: {"hour": 7, "minute": 58}
